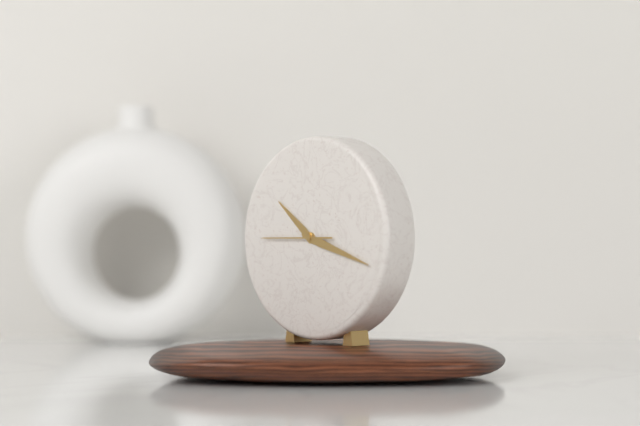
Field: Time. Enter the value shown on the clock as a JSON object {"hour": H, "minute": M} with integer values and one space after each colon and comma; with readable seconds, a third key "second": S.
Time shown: {"hour": 10, "minute": 18, "second": 45}
